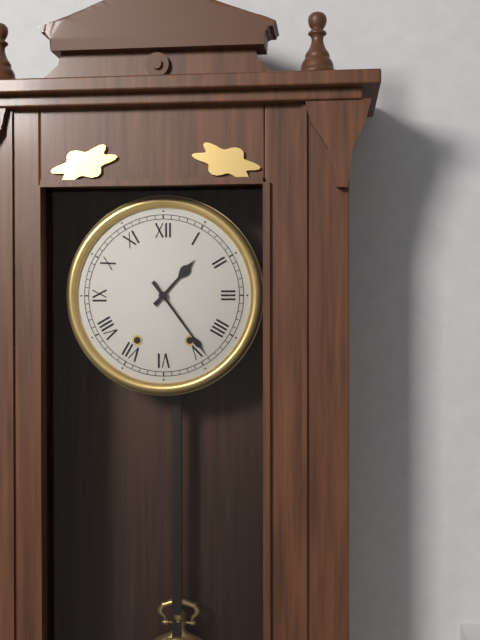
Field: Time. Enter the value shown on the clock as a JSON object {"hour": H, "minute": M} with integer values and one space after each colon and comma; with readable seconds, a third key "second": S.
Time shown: {"hour": 1, "minute": 24}
